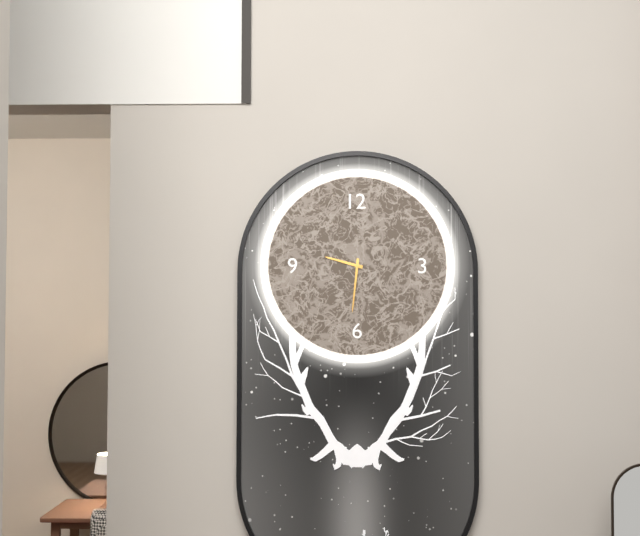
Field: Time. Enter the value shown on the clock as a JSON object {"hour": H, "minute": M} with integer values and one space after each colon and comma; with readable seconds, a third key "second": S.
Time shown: {"hour": 9, "minute": 31}
